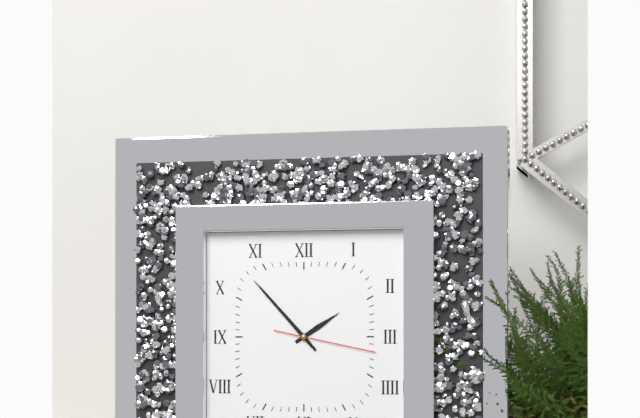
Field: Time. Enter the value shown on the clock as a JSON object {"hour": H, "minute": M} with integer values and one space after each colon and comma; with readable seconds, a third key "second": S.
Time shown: {"hour": 1, "minute": 53, "second": 17}
